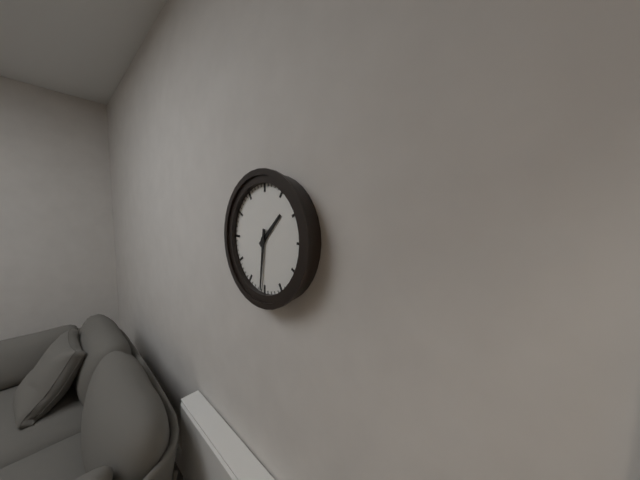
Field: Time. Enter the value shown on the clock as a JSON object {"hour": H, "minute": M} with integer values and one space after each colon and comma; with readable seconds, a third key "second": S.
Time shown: {"hour": 1, "minute": 31}
